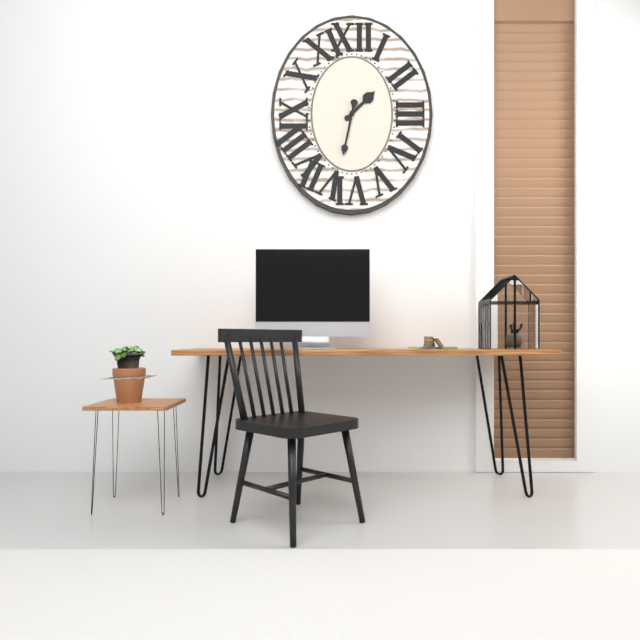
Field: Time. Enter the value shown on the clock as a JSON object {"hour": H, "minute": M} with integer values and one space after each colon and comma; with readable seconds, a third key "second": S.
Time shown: {"hour": 1, "minute": 32}
